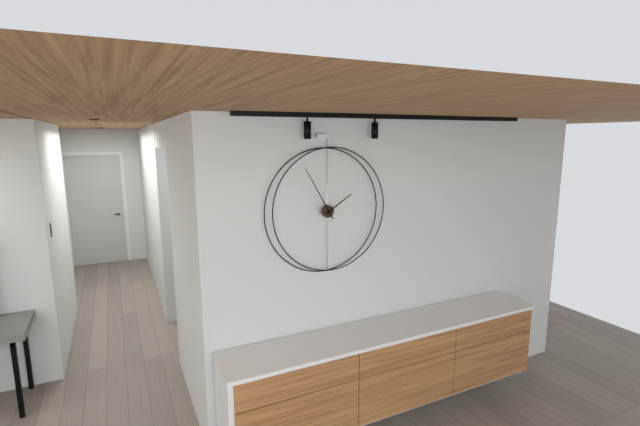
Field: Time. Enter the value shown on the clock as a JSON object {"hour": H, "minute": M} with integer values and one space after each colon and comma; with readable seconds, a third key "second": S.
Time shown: {"hour": 1, "minute": 55}
